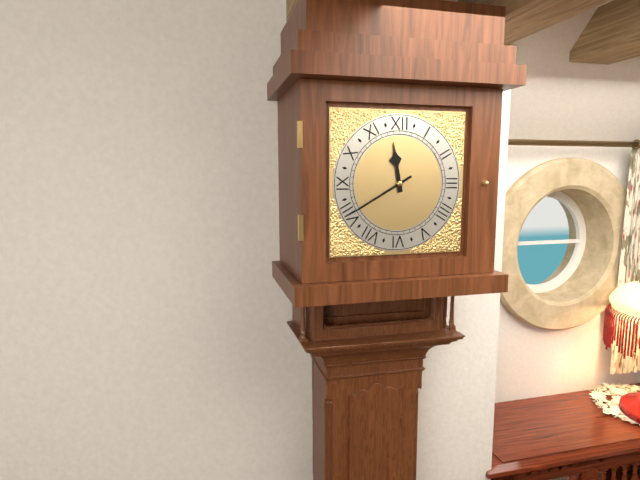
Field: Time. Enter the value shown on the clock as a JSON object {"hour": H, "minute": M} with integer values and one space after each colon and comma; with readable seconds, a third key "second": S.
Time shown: {"hour": 11, "minute": 40}
